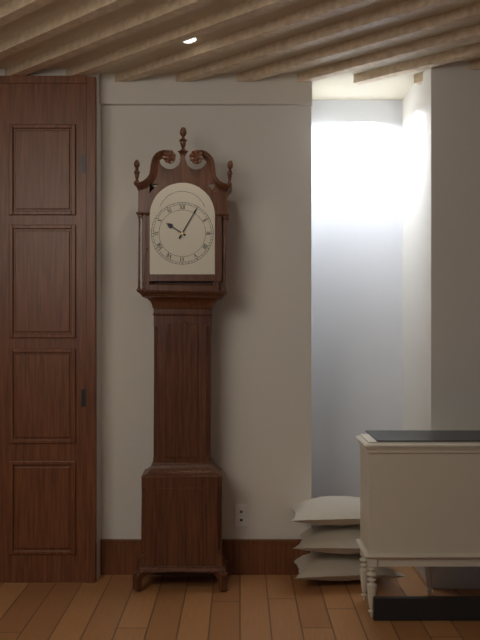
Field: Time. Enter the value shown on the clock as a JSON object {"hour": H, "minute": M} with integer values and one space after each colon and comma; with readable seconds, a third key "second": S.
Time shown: {"hour": 10, "minute": 5}
